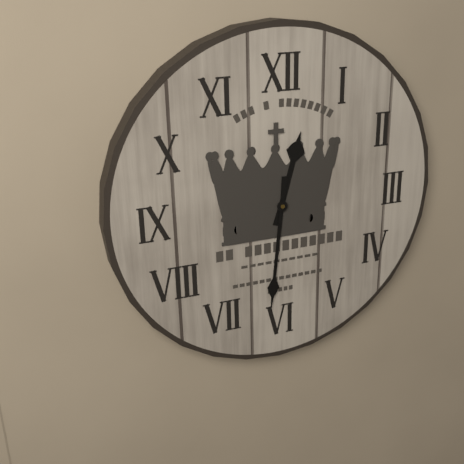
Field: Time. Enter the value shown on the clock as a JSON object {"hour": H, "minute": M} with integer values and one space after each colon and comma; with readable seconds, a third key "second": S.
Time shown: {"hour": 12, "minute": 31}
